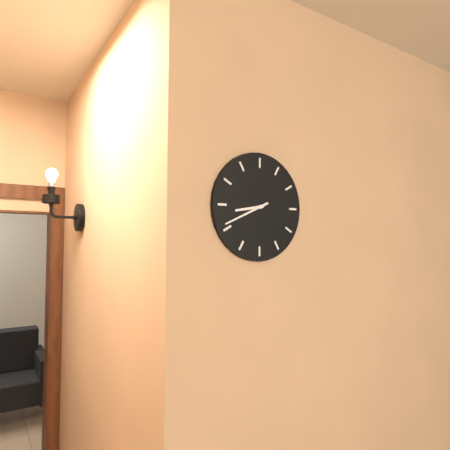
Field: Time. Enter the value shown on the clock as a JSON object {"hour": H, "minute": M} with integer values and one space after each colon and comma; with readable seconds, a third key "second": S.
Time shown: {"hour": 8, "minute": 41}
